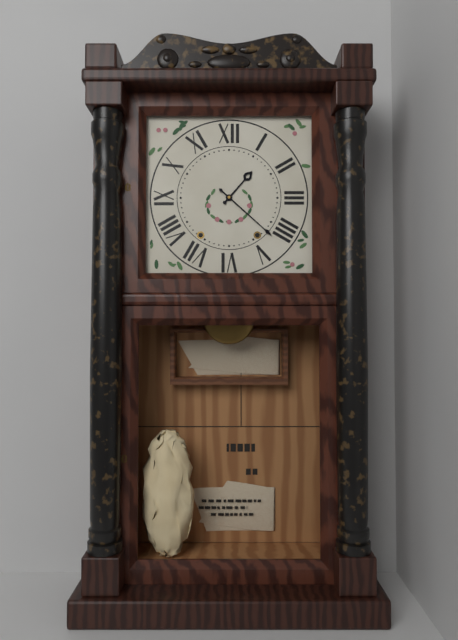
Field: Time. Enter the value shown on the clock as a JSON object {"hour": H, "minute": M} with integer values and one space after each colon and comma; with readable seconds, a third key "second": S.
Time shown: {"hour": 1, "minute": 22}
